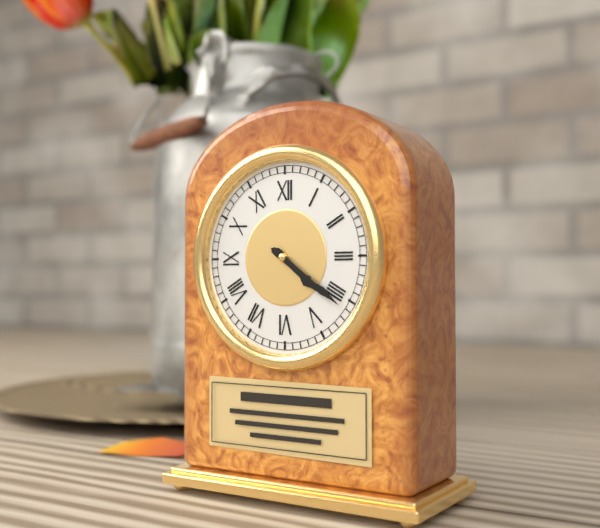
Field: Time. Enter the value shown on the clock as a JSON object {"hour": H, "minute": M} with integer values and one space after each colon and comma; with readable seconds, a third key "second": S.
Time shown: {"hour": 4, "minute": 21}
